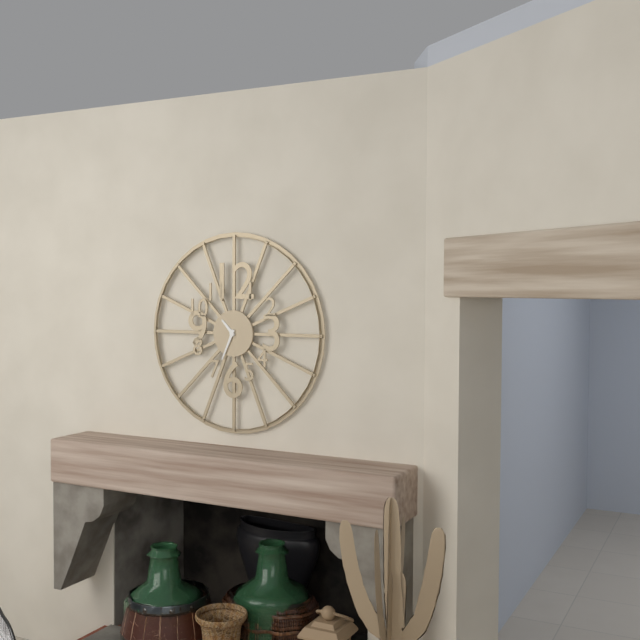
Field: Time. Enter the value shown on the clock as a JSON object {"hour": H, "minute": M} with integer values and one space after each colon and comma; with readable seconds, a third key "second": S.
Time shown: {"hour": 10, "minute": 34}
